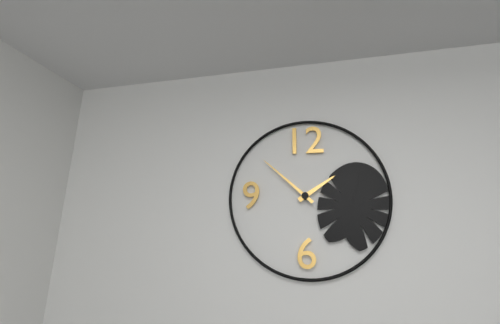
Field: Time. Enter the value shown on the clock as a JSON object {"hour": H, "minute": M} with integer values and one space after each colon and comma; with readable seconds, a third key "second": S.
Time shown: {"hour": 1, "minute": 52}
